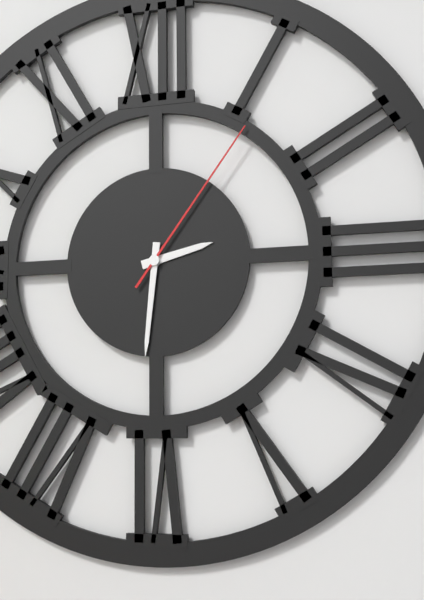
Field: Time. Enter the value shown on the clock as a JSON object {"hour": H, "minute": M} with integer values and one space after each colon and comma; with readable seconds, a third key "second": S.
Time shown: {"hour": 2, "minute": 31, "second": 6}
